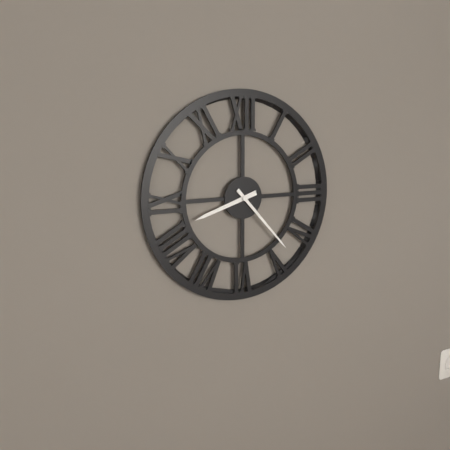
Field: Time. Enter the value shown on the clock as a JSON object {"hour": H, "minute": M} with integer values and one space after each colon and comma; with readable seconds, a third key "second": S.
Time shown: {"hour": 8, "minute": 23}
